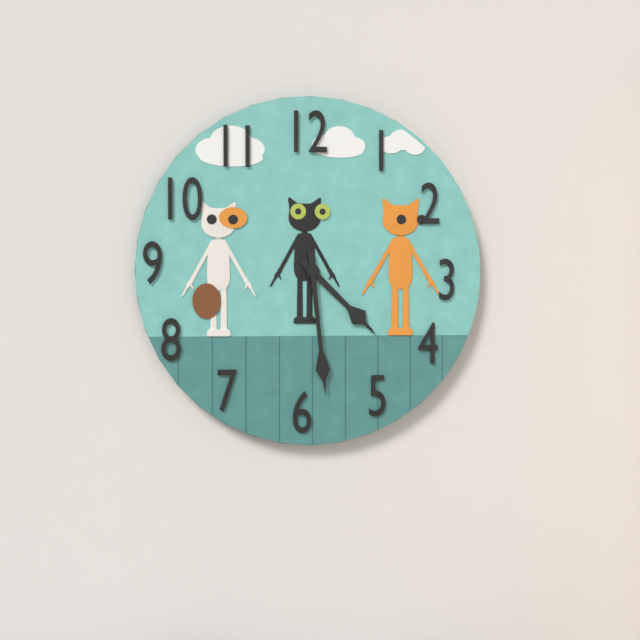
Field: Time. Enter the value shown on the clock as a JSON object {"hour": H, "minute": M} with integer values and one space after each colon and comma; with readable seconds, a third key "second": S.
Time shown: {"hour": 4, "minute": 29}
